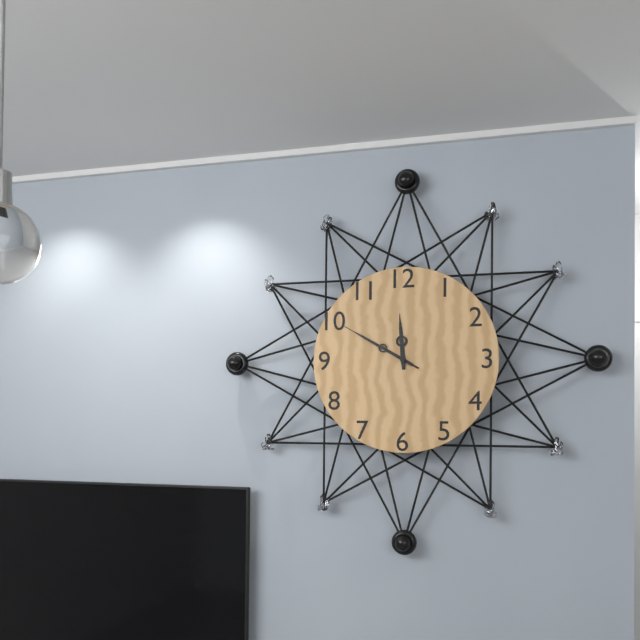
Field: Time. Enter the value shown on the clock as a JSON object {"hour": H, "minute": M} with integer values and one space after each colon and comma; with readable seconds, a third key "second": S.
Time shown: {"hour": 11, "minute": 50, "second": 50}
